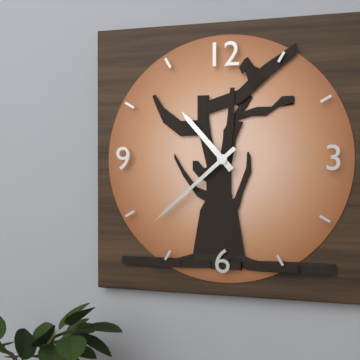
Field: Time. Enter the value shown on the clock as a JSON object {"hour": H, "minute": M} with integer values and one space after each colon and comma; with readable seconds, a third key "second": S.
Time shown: {"hour": 10, "minute": 38}
